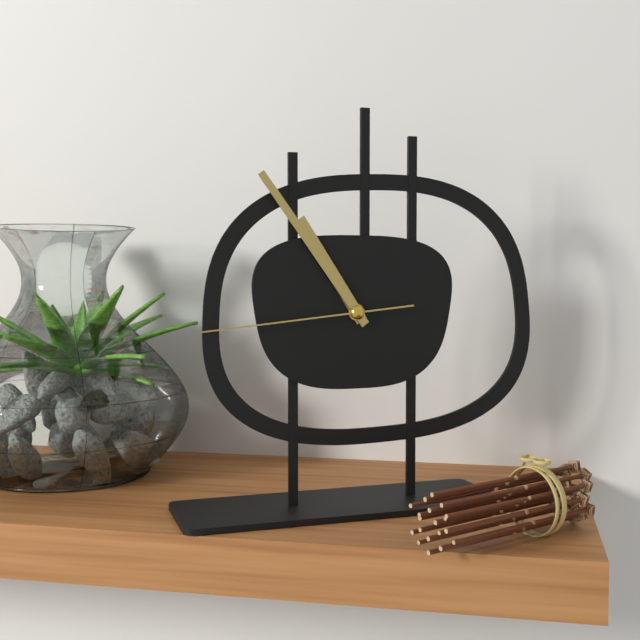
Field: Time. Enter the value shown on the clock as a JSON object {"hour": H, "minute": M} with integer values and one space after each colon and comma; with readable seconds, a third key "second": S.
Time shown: {"hour": 10, "minute": 54, "second": 44}
